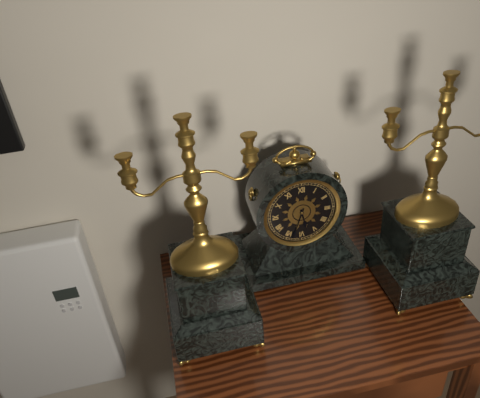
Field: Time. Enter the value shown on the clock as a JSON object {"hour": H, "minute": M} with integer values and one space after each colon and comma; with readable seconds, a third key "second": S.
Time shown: {"hour": 5, "minute": 33}
